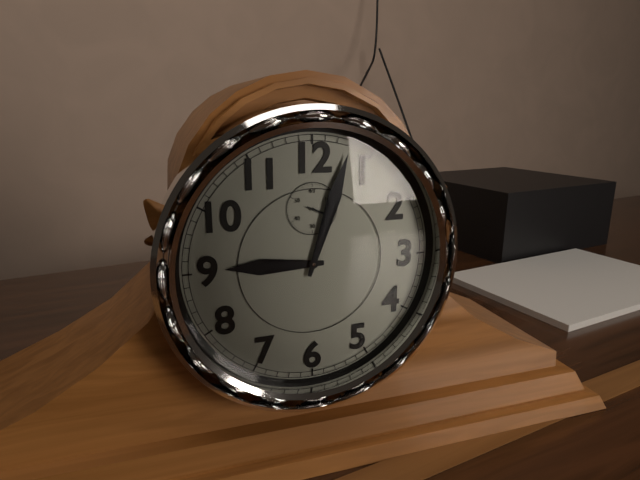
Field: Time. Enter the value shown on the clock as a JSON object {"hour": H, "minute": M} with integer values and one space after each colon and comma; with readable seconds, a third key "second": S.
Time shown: {"hour": 9, "minute": 3}
